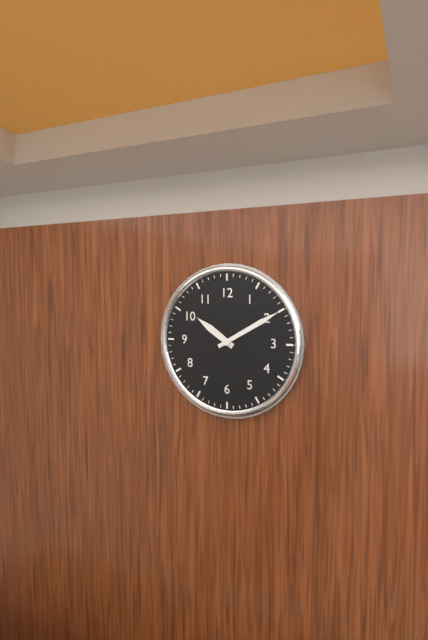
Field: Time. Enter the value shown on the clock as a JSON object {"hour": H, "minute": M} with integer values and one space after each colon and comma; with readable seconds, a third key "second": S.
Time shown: {"hour": 10, "minute": 10}
